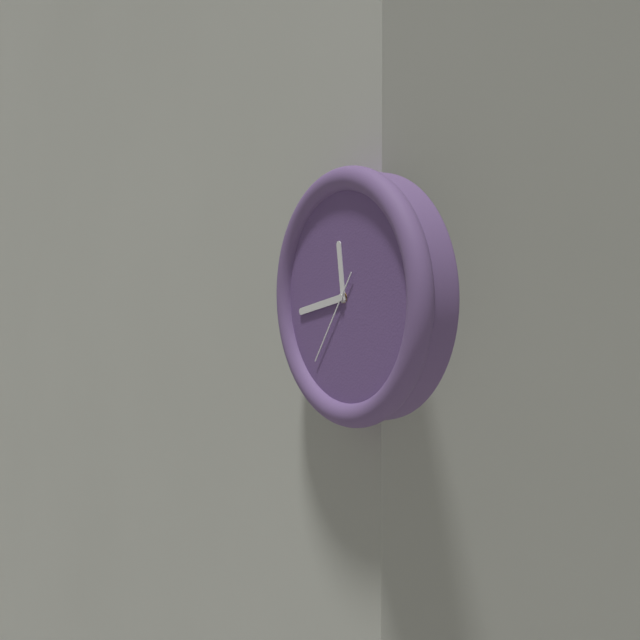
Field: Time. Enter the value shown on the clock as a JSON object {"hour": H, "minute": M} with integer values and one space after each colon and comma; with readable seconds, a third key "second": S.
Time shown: {"hour": 11, "minute": 43, "second": 36}
